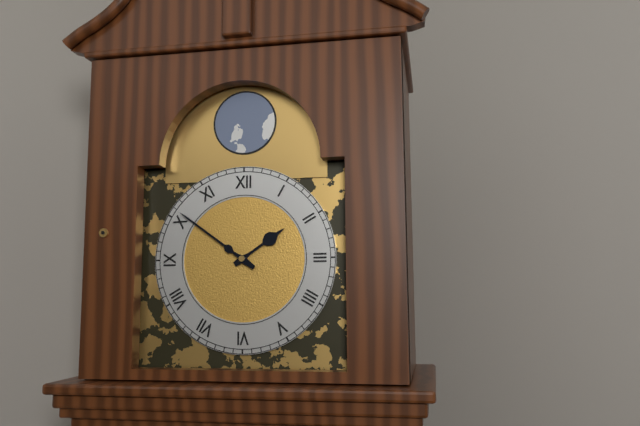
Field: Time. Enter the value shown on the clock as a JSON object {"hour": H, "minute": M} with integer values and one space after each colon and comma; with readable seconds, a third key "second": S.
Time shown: {"hour": 1, "minute": 51}
